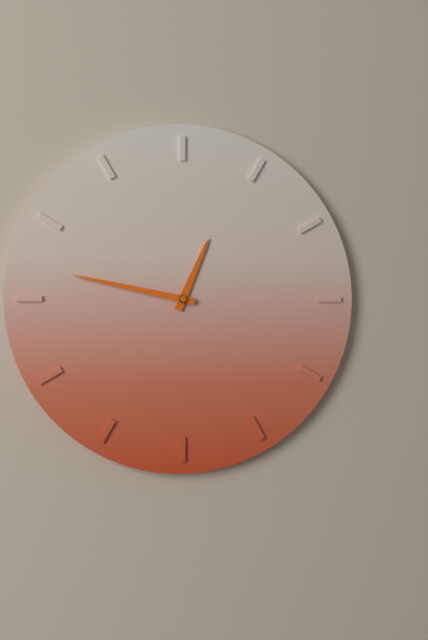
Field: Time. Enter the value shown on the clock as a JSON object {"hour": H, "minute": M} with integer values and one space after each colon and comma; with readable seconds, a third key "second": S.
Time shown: {"hour": 12, "minute": 47}
